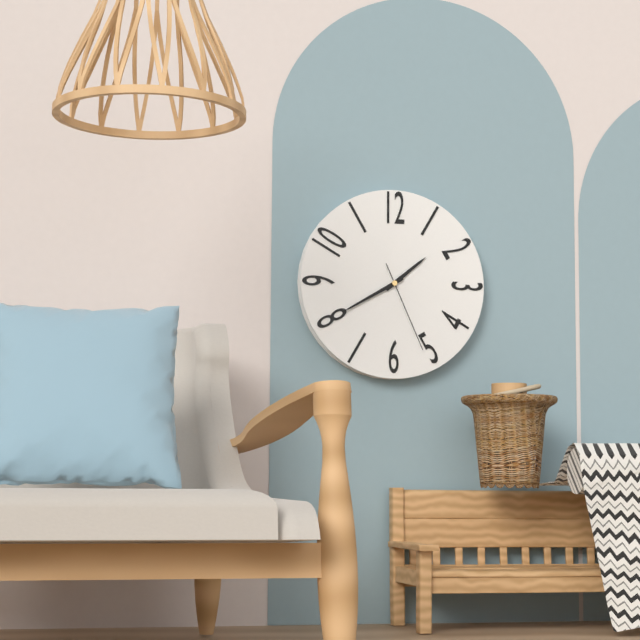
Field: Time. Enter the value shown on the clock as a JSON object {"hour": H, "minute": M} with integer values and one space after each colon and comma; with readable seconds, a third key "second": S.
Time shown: {"hour": 1, "minute": 40, "second": 26}
